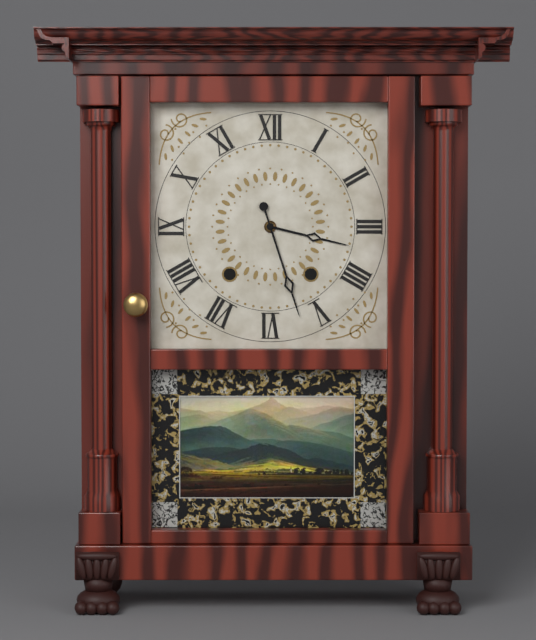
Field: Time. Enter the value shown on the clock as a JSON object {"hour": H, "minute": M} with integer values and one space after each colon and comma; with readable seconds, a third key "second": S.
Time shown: {"hour": 3, "minute": 27}
